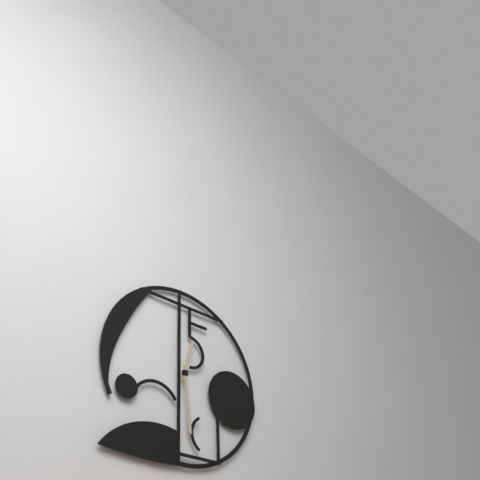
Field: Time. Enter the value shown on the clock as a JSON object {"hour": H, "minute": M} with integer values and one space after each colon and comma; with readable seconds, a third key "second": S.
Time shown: {"hour": 12, "minute": 29}
